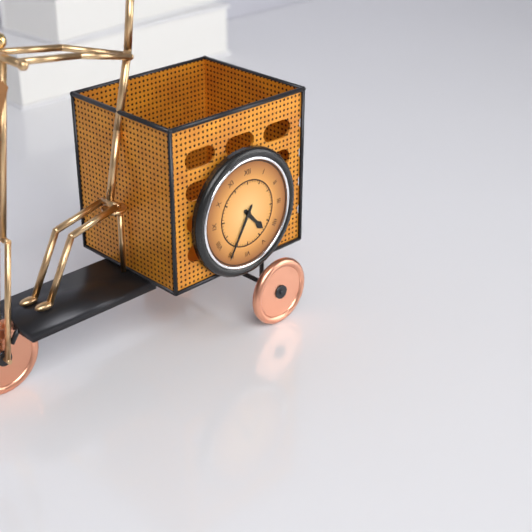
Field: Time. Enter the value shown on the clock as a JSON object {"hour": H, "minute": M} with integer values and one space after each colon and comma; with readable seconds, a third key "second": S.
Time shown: {"hour": 4, "minute": 35}
